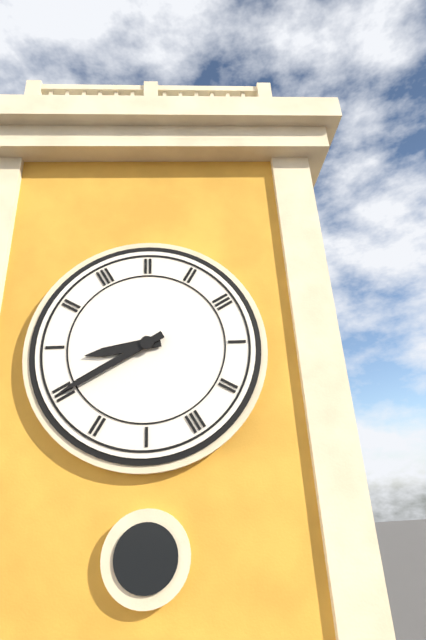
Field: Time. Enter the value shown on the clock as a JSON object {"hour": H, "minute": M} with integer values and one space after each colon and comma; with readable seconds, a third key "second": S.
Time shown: {"hour": 8, "minute": 40}
